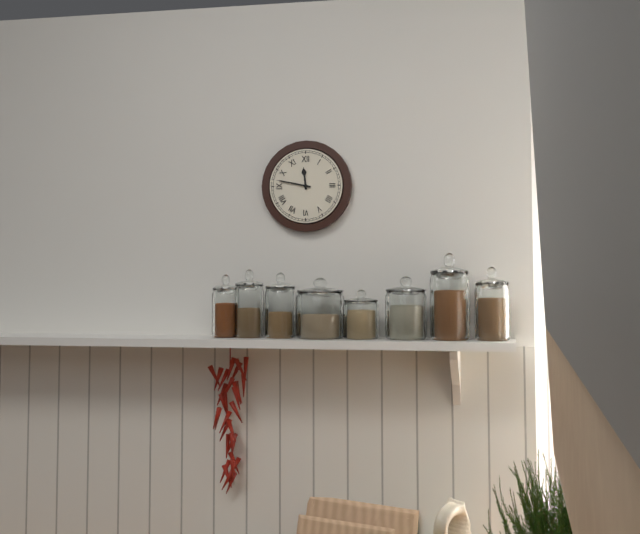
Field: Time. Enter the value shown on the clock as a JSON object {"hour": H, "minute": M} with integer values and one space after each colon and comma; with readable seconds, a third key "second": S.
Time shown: {"hour": 11, "minute": 47}
